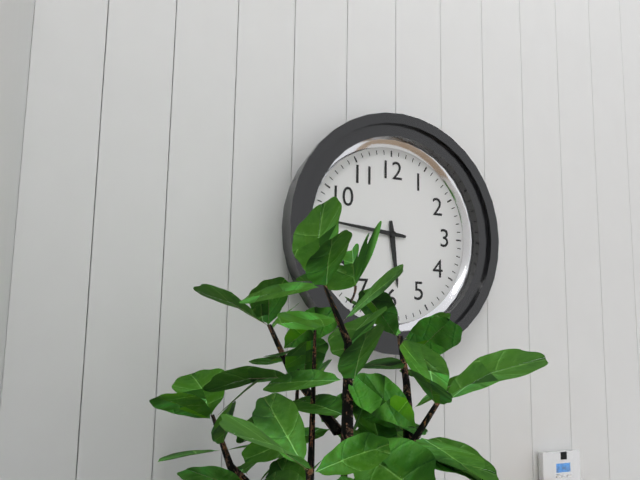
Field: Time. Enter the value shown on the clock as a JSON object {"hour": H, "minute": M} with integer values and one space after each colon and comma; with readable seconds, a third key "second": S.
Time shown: {"hour": 5, "minute": 46}
